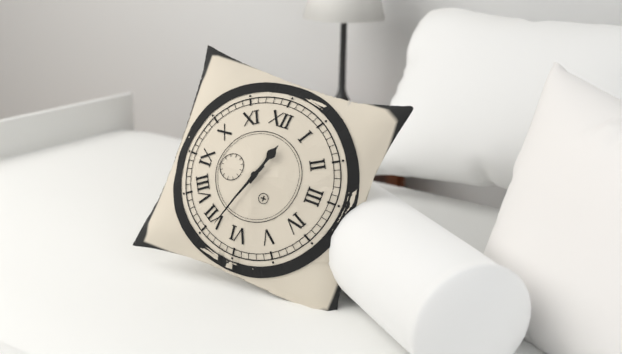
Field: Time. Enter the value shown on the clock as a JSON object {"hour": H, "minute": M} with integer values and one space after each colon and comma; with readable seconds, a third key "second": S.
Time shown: {"hour": 12, "minute": 34}
